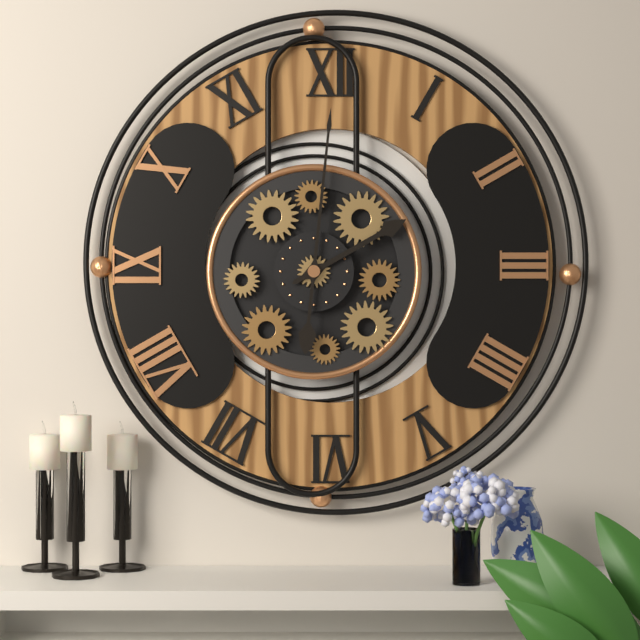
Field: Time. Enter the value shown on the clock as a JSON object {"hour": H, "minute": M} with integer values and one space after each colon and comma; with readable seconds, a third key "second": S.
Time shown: {"hour": 2, "minute": 1}
